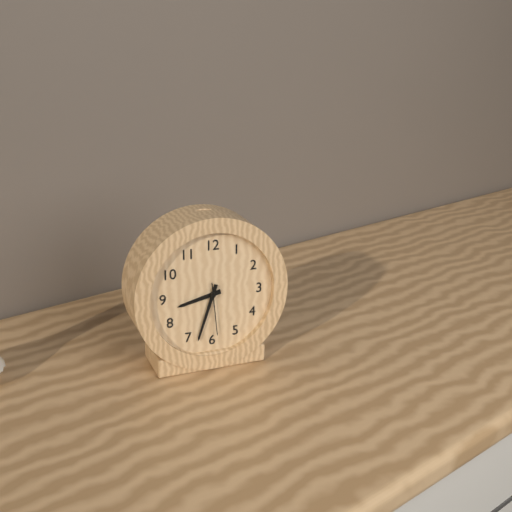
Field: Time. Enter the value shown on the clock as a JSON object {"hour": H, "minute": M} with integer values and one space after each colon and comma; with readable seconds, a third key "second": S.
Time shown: {"hour": 8, "minute": 33, "second": 29}
